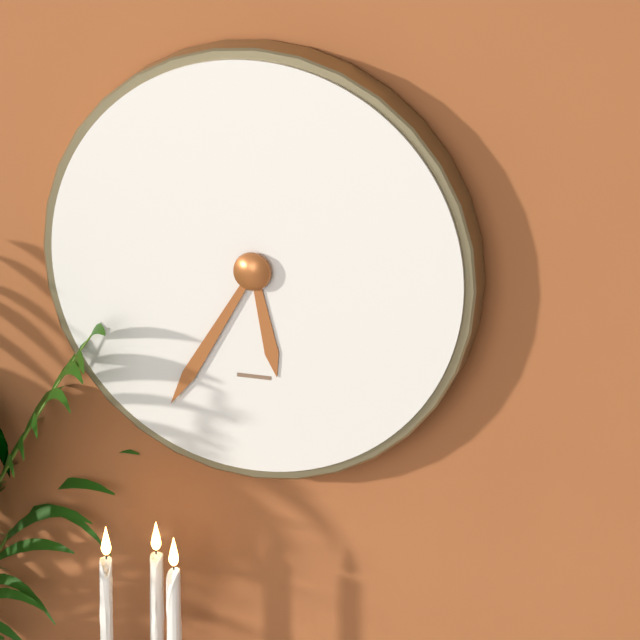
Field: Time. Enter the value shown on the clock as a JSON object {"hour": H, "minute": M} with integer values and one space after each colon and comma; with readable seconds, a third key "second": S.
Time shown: {"hour": 5, "minute": 35}
